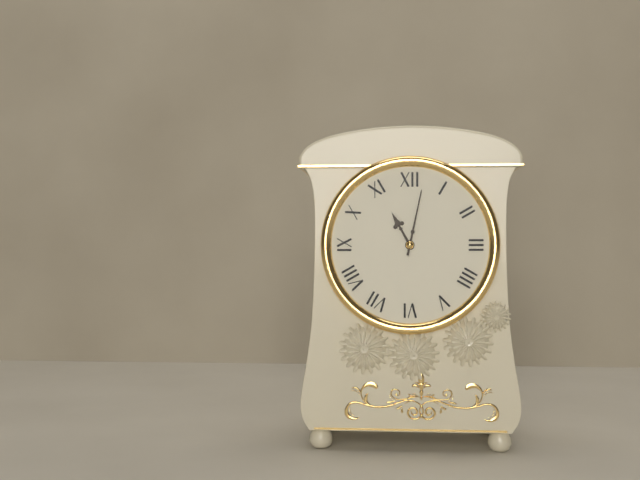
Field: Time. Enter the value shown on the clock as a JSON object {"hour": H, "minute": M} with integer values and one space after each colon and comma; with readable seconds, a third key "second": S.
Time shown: {"hour": 11, "minute": 2}
